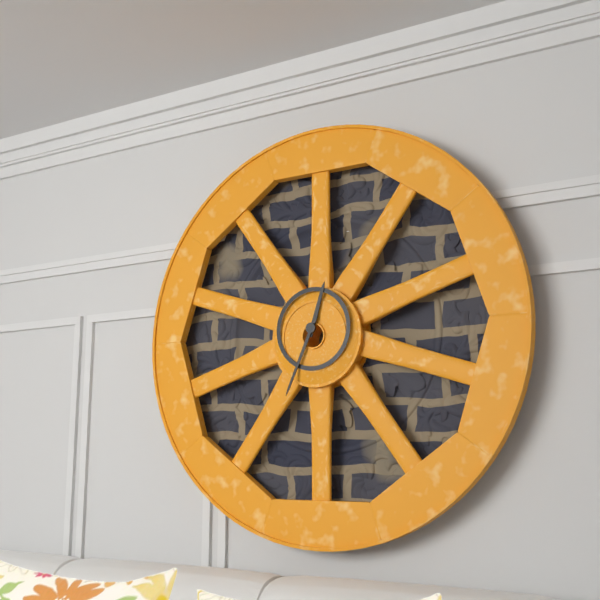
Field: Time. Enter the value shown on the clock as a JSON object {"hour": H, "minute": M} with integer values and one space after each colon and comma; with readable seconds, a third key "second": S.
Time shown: {"hour": 12, "minute": 34}
